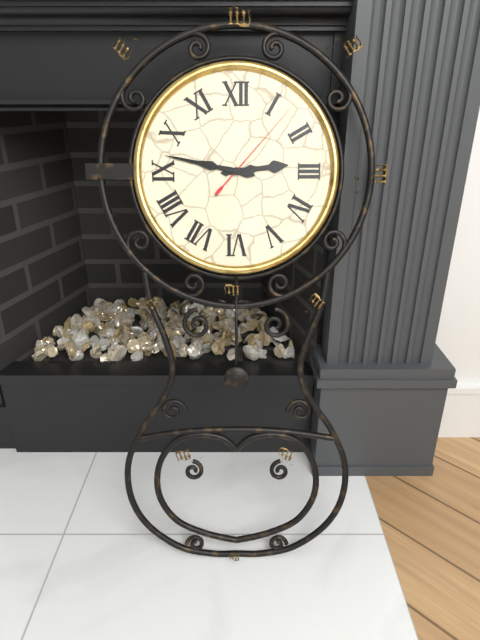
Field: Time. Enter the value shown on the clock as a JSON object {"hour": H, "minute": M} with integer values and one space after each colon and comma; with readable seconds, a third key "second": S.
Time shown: {"hour": 2, "minute": 47, "second": 7}
